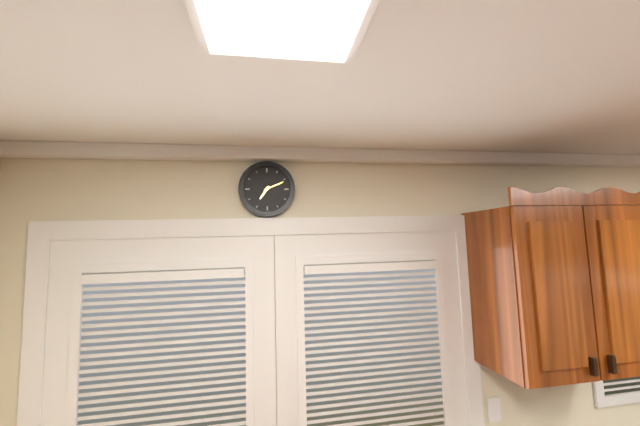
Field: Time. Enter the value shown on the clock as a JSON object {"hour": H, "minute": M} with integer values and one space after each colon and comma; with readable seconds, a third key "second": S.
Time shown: {"hour": 7, "minute": 11}
